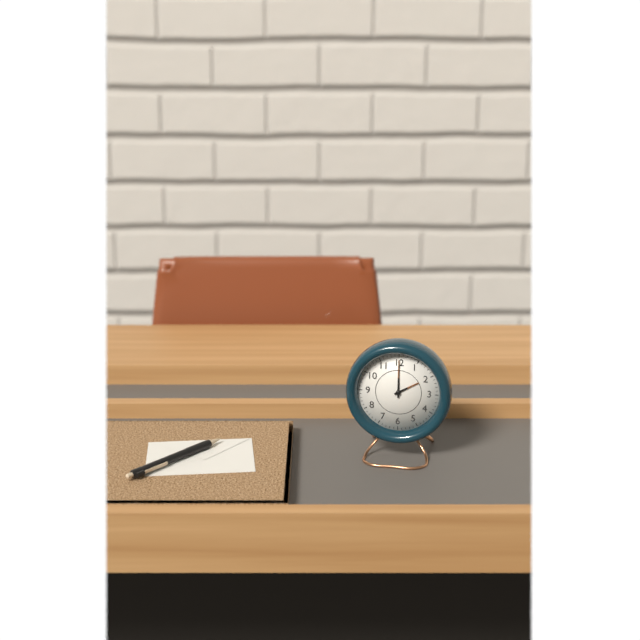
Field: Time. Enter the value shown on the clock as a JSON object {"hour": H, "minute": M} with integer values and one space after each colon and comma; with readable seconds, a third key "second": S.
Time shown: {"hour": 2, "minute": 0}
